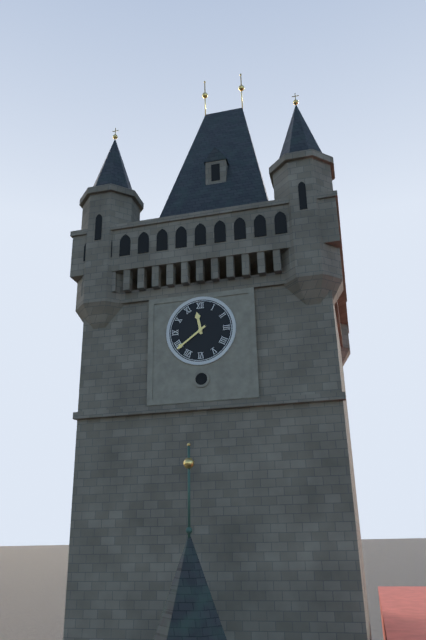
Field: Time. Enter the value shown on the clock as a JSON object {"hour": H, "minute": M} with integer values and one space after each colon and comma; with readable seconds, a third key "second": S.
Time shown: {"hour": 11, "minute": 39}
